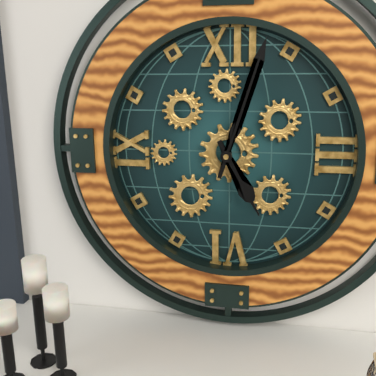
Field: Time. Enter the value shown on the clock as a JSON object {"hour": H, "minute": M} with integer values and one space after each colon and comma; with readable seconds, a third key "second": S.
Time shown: {"hour": 5, "minute": 3}
